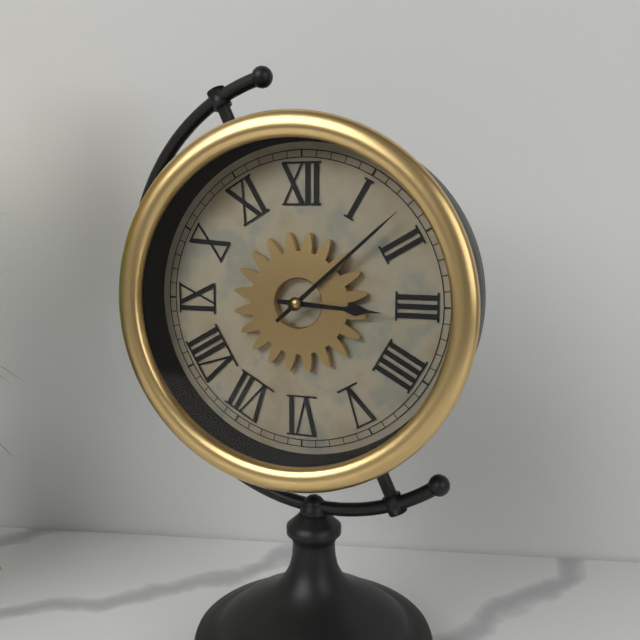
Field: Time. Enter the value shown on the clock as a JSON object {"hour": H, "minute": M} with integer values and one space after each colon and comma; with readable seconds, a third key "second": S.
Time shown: {"hour": 3, "minute": 8}
